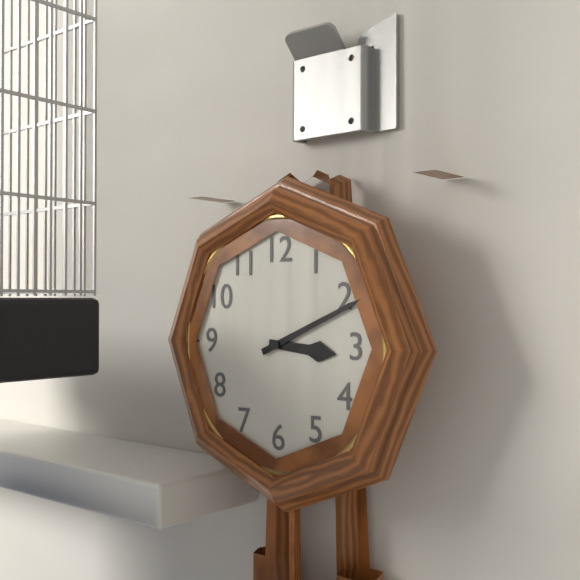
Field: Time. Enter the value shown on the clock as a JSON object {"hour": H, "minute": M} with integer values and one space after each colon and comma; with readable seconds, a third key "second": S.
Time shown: {"hour": 3, "minute": 11}
